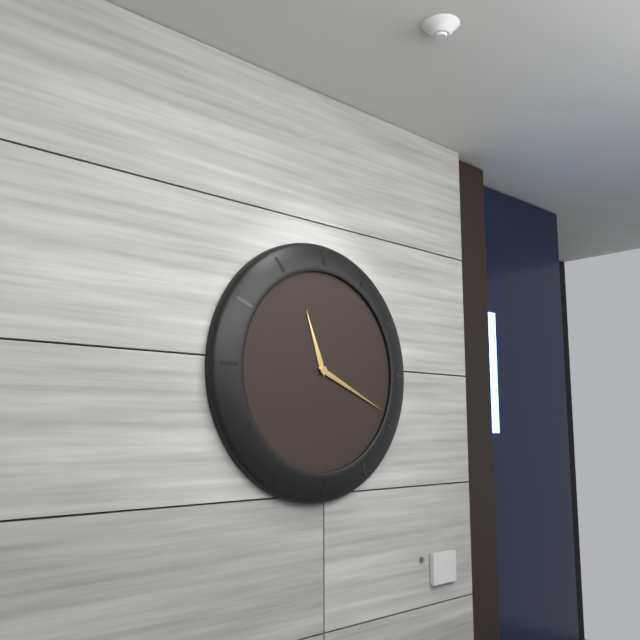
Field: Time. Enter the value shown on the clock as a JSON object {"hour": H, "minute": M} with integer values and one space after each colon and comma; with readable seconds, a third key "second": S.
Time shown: {"hour": 11, "minute": 19}
